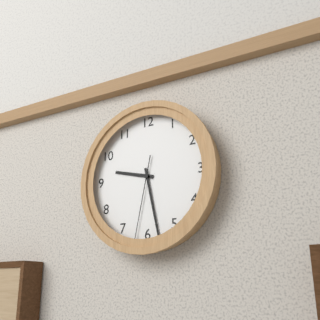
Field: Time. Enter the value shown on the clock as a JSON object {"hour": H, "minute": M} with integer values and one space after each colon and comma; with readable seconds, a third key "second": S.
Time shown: {"hour": 9, "minute": 28, "second": 32}
